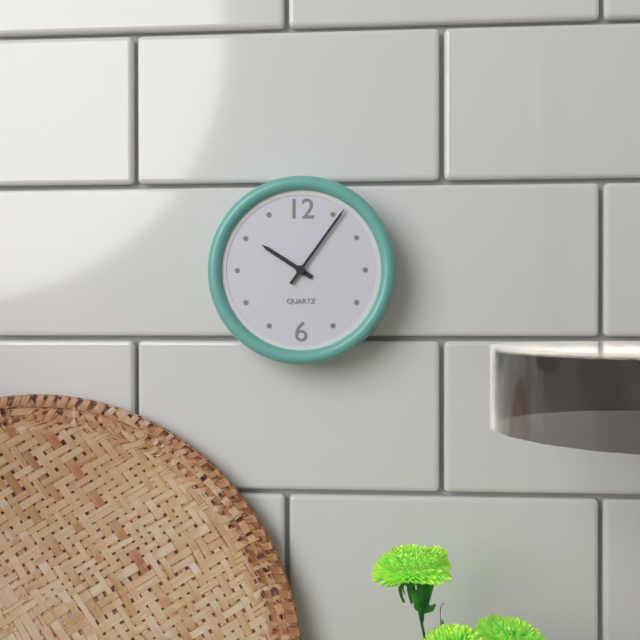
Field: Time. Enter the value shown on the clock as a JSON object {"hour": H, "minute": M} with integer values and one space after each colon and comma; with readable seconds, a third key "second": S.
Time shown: {"hour": 10, "minute": 6}
